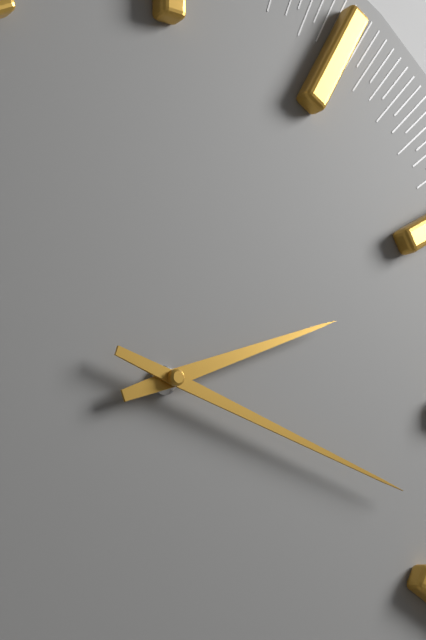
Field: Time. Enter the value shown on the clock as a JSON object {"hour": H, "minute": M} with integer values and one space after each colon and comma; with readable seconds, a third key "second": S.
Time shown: {"hour": 2, "minute": 18}
